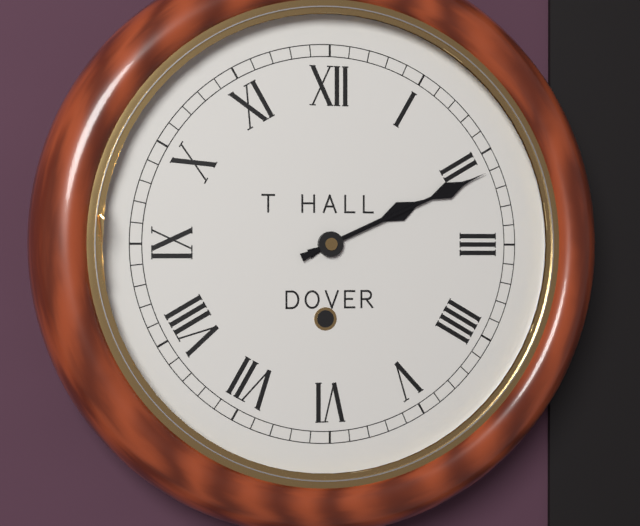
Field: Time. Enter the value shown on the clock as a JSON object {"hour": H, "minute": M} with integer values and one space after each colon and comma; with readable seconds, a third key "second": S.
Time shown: {"hour": 2, "minute": 11}
